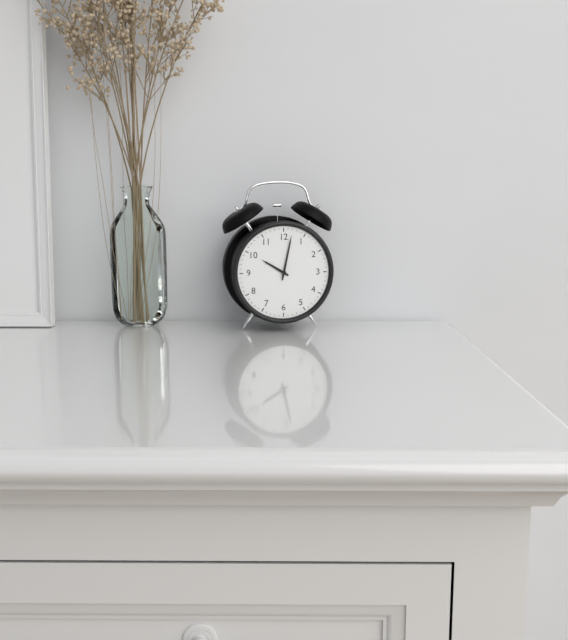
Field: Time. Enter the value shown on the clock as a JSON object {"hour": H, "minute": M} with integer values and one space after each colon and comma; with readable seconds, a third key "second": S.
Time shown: {"hour": 10, "minute": 2}
